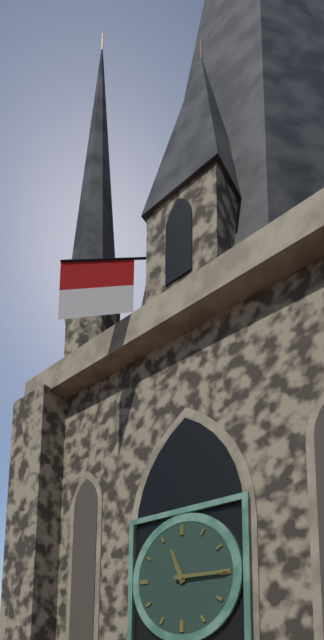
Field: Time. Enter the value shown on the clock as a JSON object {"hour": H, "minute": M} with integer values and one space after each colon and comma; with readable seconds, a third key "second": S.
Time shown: {"hour": 11, "minute": 15}
